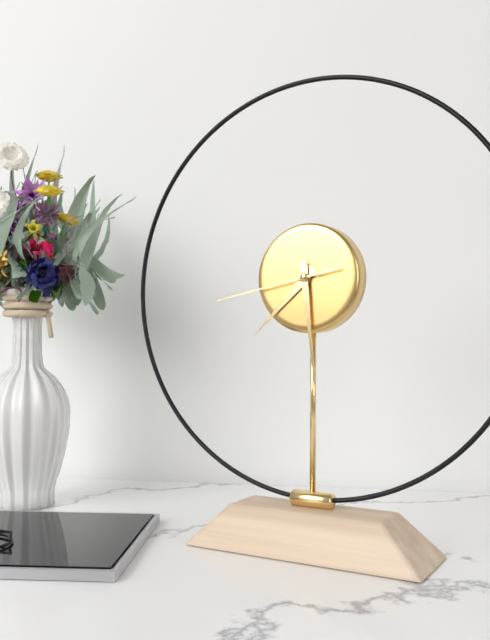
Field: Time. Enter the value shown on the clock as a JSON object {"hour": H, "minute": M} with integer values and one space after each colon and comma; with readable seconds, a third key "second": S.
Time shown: {"hour": 7, "minute": 29, "second": 43}
